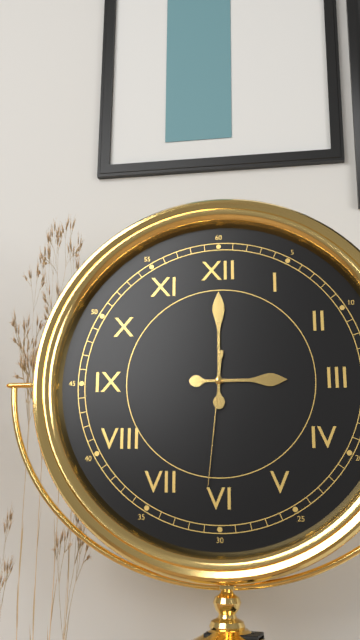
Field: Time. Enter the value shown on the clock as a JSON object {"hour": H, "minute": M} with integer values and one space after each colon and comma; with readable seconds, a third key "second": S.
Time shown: {"hour": 3, "minute": 0, "second": 31}
